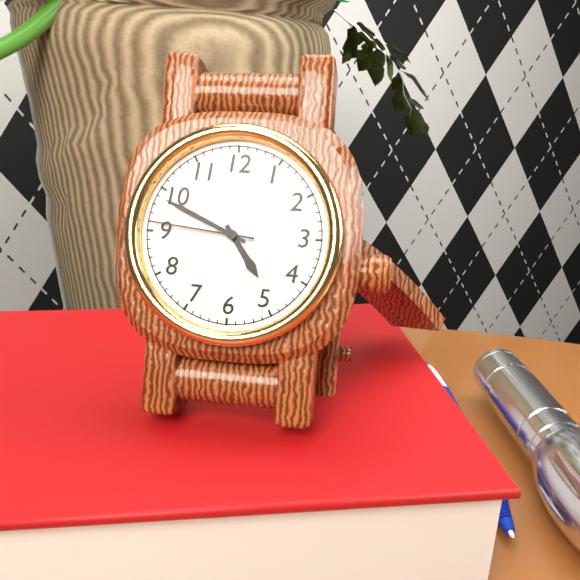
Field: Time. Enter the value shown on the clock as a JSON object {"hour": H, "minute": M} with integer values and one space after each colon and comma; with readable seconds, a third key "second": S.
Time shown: {"hour": 4, "minute": 49, "second": 46}
